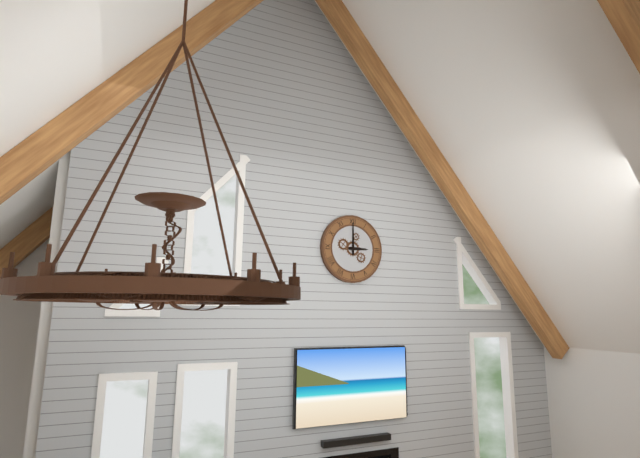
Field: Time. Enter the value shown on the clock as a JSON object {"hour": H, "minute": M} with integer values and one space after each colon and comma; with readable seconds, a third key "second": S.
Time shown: {"hour": 3, "minute": 0}
